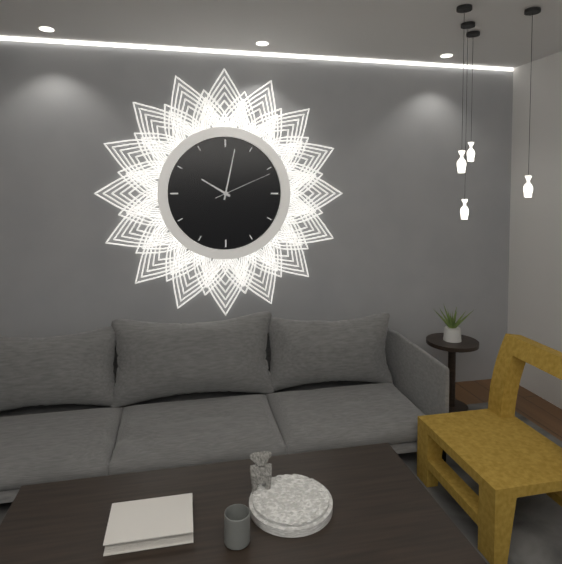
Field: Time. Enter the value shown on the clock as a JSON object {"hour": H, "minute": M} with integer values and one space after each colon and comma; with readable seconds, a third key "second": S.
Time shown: {"hour": 10, "minute": 2, "second": 11}
